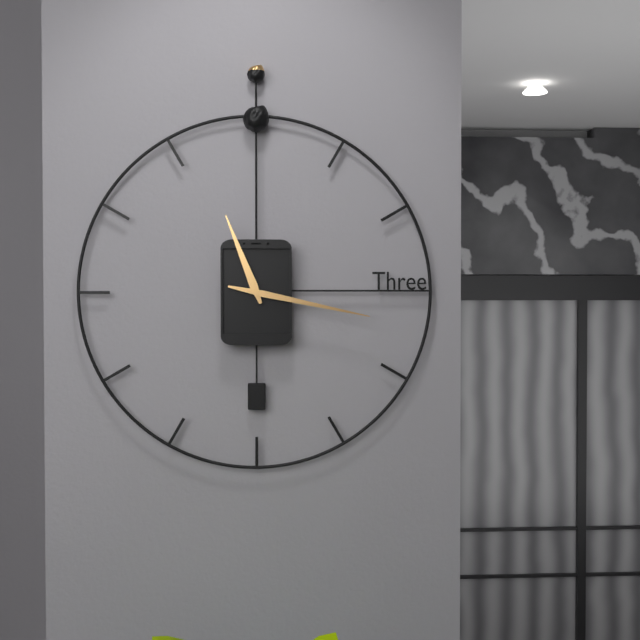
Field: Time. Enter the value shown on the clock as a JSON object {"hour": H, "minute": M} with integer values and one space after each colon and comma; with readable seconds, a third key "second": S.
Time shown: {"hour": 11, "minute": 17}
